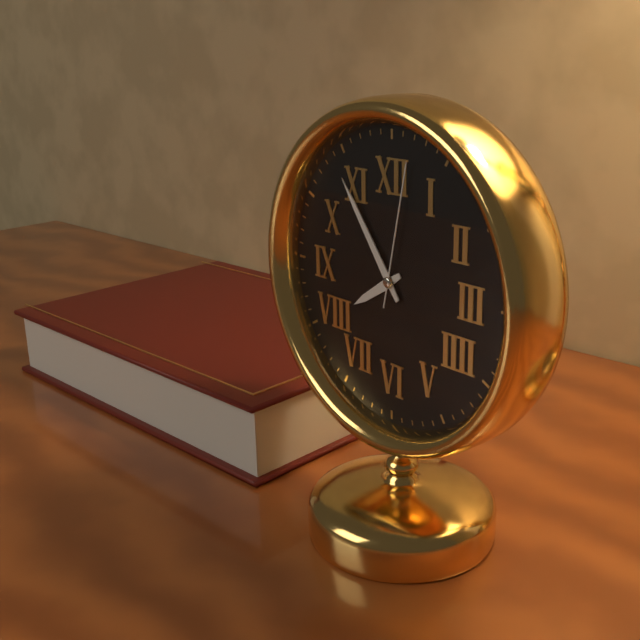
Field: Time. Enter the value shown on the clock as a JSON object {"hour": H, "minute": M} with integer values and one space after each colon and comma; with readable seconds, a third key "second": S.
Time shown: {"hour": 7, "minute": 54, "second": 2}
